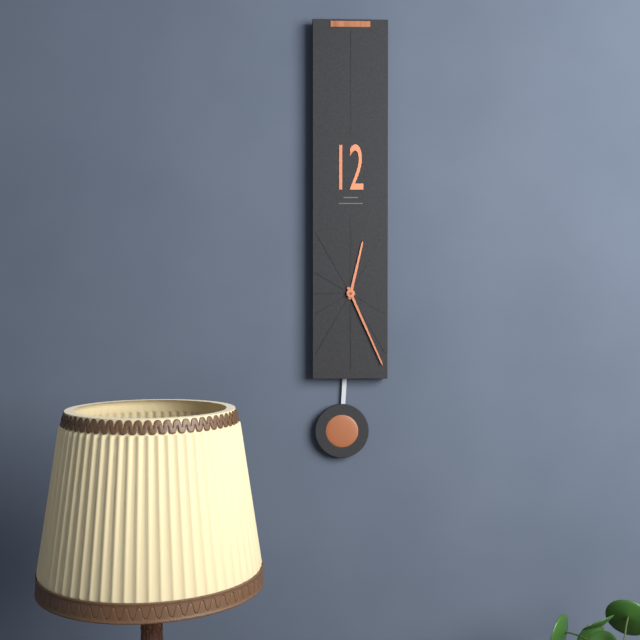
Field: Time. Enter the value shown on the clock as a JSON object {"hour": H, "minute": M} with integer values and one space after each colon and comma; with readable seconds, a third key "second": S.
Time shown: {"hour": 12, "minute": 26}
